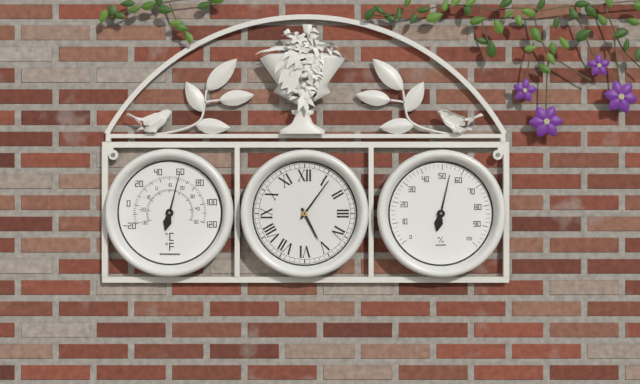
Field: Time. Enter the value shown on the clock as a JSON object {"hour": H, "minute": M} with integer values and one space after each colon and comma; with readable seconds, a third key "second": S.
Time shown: {"hour": 5, "minute": 6}
